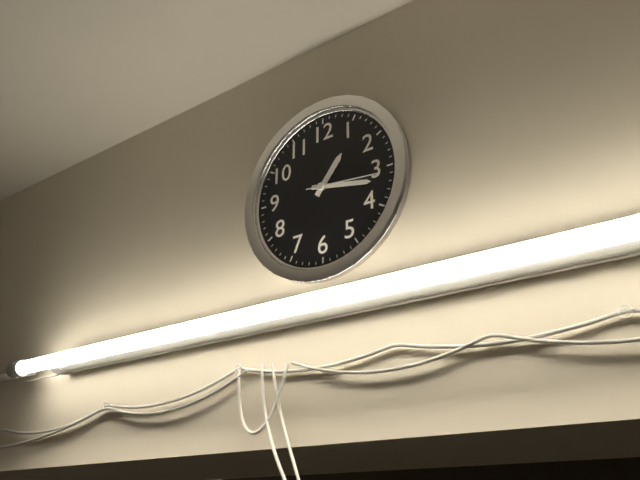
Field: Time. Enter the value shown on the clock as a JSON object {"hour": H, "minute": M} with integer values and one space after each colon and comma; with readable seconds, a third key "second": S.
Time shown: {"hour": 1, "minute": 17, "second": 16}
